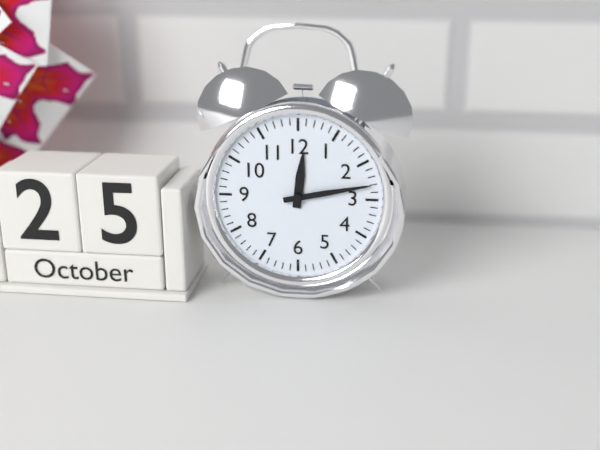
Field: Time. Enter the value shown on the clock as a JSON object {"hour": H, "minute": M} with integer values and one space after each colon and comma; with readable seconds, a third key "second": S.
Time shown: {"hour": 12, "minute": 13}
